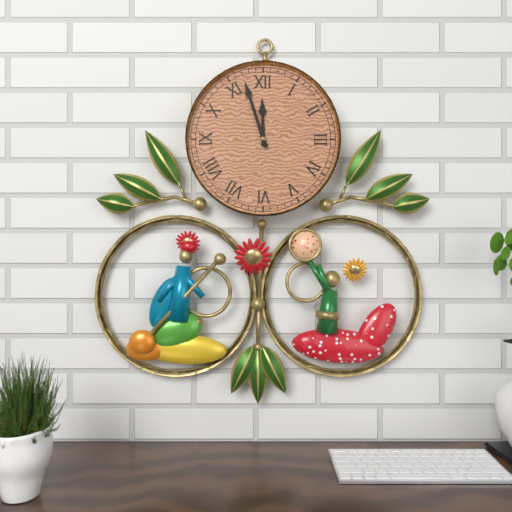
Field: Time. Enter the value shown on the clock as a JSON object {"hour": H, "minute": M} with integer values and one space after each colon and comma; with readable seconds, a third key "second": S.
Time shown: {"hour": 11, "minute": 57}
